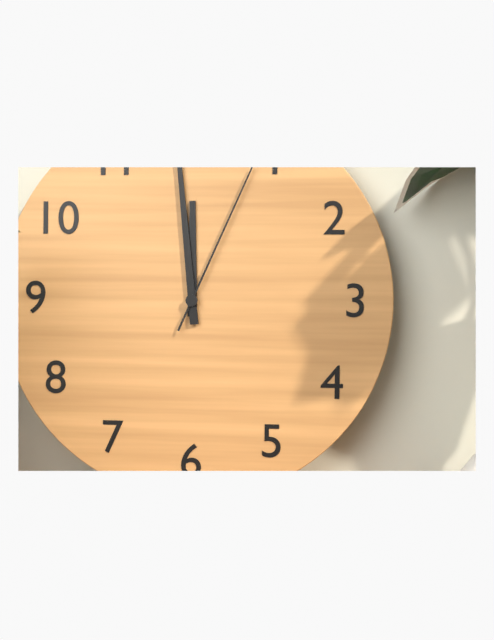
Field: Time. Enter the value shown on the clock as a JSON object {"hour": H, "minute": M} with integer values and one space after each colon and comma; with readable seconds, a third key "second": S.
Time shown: {"hour": 11, "minute": 59, "second": 4}
